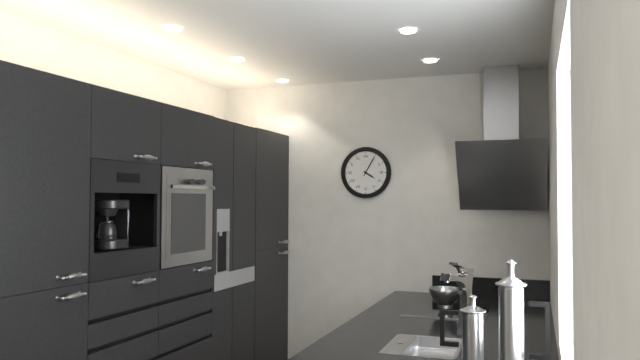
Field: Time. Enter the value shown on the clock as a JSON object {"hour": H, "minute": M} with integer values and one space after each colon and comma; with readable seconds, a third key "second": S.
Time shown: {"hour": 4, "minute": 5}
